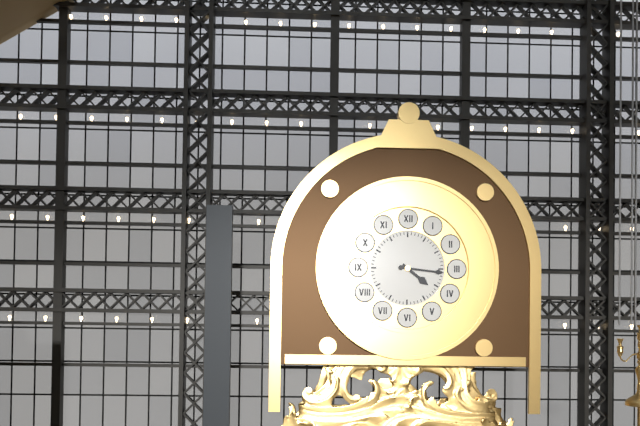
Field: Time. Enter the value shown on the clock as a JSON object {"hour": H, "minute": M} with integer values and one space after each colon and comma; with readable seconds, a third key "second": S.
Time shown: {"hour": 4, "minute": 16}
